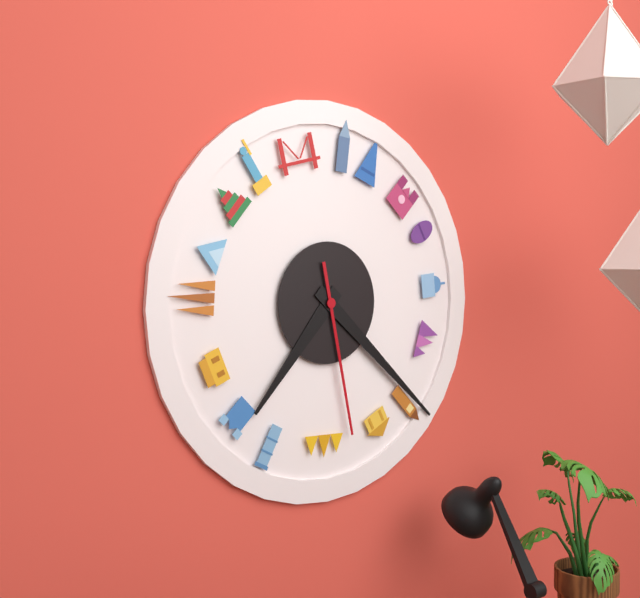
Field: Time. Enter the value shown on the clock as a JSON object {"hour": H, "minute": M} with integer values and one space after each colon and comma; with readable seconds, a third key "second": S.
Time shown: {"hour": 7, "minute": 22, "second": 28}
